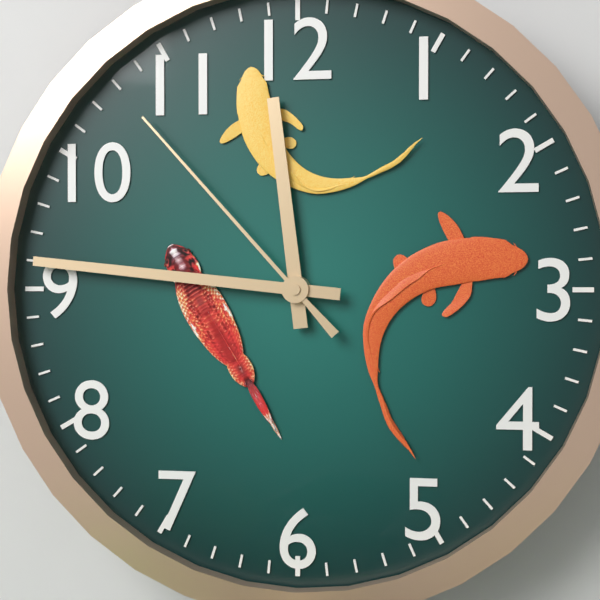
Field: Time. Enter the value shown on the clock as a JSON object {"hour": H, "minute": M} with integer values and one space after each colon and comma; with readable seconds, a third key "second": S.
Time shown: {"hour": 11, "minute": 46, "second": 53}
